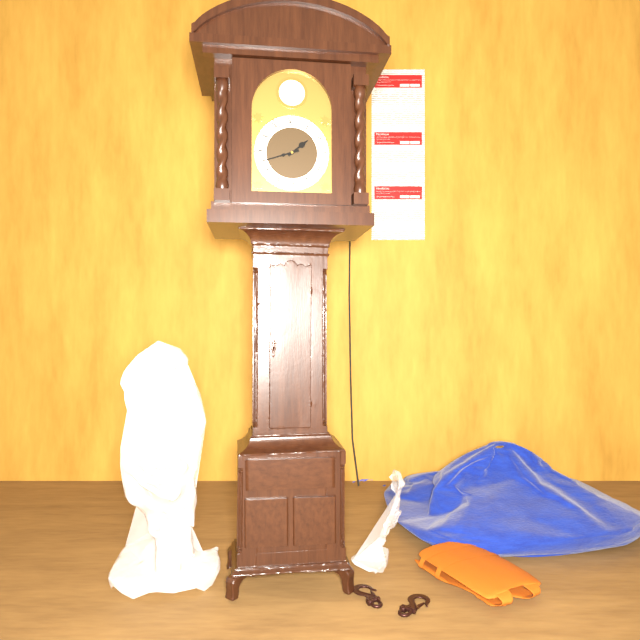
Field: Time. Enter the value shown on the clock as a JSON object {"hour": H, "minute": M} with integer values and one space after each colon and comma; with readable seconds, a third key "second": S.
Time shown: {"hour": 1, "minute": 42}
